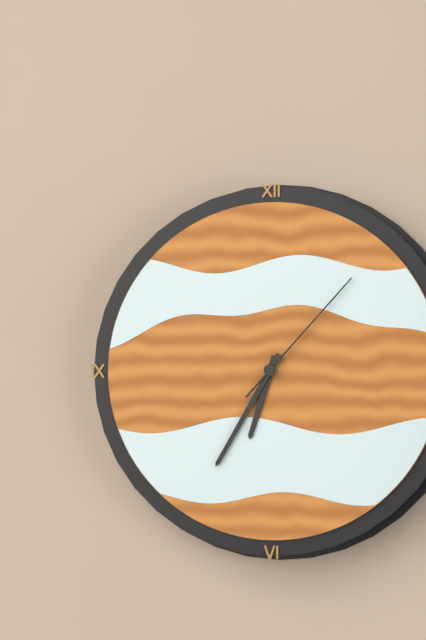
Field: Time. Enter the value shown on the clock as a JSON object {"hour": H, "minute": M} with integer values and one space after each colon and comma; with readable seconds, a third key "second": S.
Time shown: {"hour": 6, "minute": 35, "second": 7}
